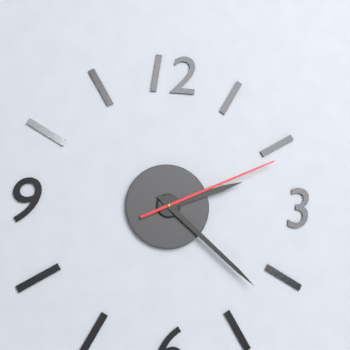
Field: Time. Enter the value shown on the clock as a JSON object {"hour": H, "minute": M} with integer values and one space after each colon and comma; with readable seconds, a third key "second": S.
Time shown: {"hour": 2, "minute": 22, "second": 11}
